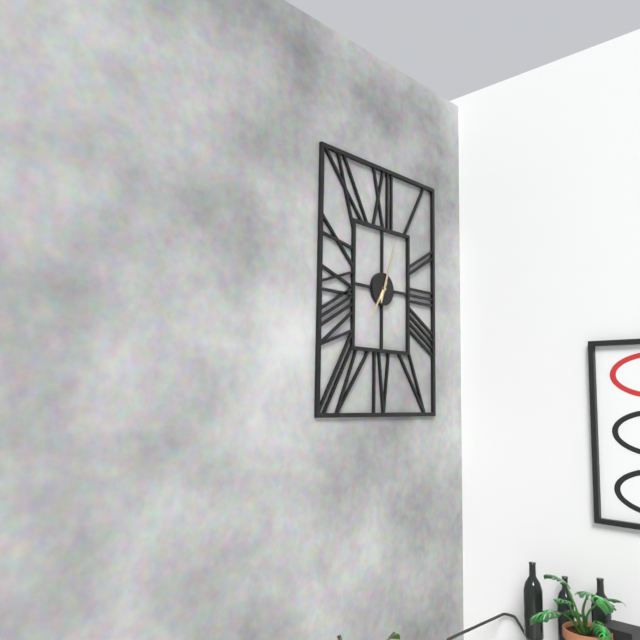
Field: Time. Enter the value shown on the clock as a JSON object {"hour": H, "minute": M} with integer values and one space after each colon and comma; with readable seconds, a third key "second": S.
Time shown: {"hour": 7, "minute": 3}
